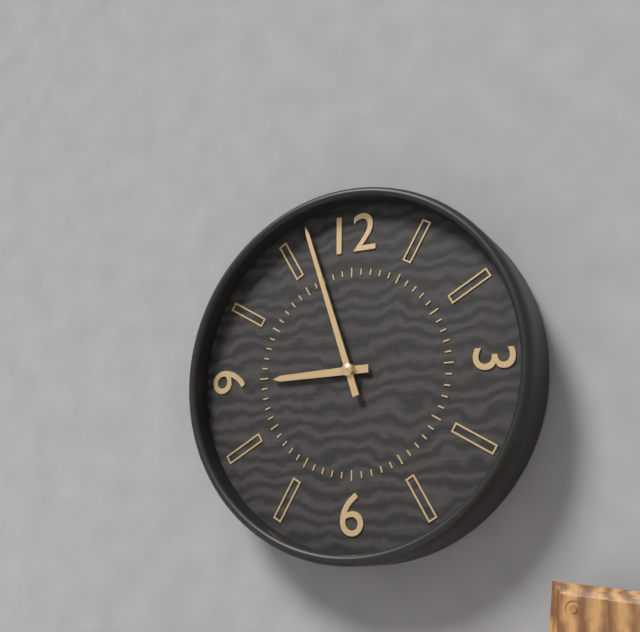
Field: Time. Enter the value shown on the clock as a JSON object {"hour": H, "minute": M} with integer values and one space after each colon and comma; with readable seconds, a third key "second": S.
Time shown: {"hour": 8, "minute": 57}
